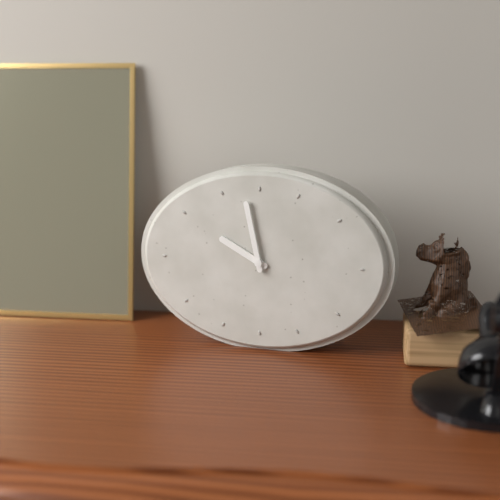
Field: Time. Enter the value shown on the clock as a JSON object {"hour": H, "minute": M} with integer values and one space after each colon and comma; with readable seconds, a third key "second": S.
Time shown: {"hour": 9, "minute": 58}
